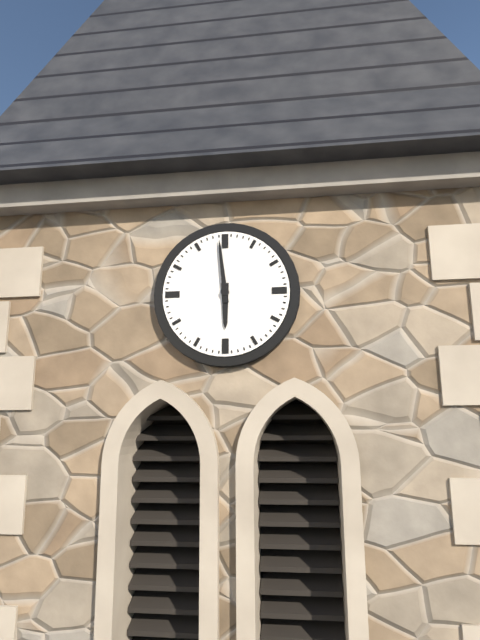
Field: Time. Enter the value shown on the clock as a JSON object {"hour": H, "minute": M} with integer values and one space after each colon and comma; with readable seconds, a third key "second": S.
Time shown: {"hour": 5, "minute": 59}
